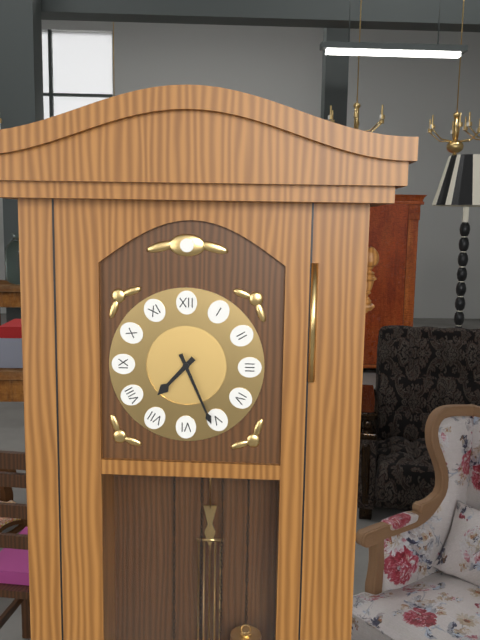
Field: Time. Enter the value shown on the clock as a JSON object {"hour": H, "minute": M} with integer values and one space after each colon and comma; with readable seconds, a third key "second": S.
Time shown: {"hour": 7, "minute": 26}
